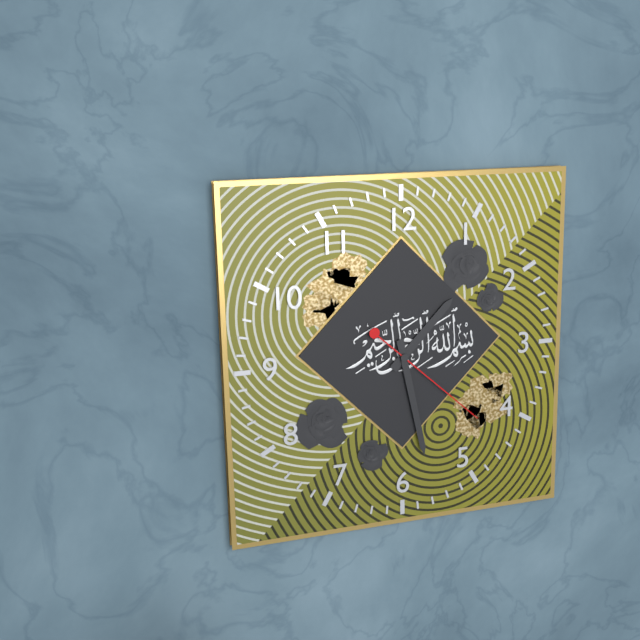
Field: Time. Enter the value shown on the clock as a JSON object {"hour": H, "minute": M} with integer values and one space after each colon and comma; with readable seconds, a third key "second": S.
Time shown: {"hour": 1, "minute": 28, "second": 22}
